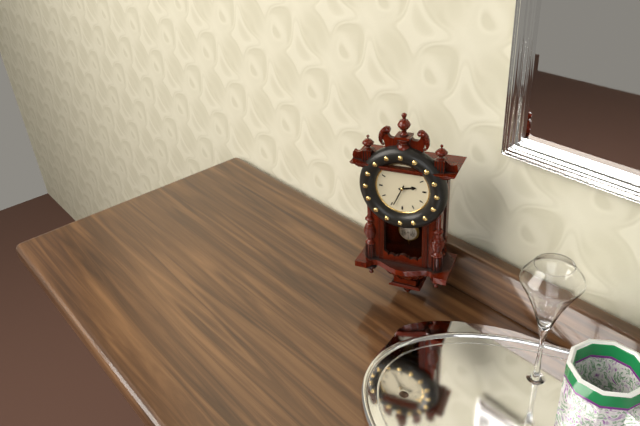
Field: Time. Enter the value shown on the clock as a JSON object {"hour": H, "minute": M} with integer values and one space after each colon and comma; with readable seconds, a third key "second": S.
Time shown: {"hour": 2, "minute": 34}
